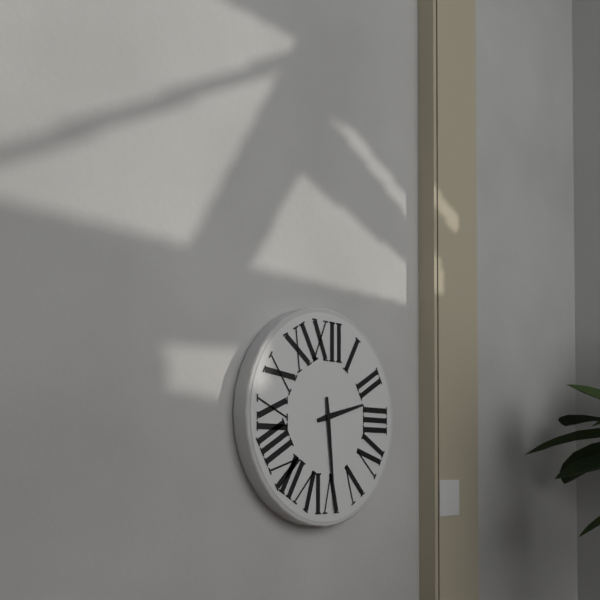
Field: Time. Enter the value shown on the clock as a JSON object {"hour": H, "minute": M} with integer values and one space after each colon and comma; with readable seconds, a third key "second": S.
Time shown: {"hour": 2, "minute": 29}
